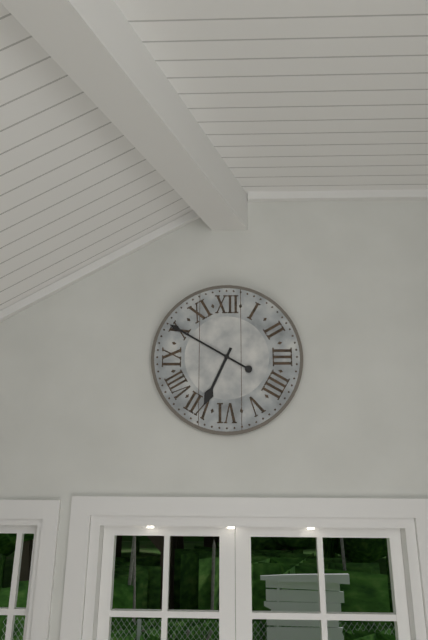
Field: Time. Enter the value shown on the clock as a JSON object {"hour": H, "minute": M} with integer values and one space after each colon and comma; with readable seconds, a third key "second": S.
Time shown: {"hour": 6, "minute": 50}
